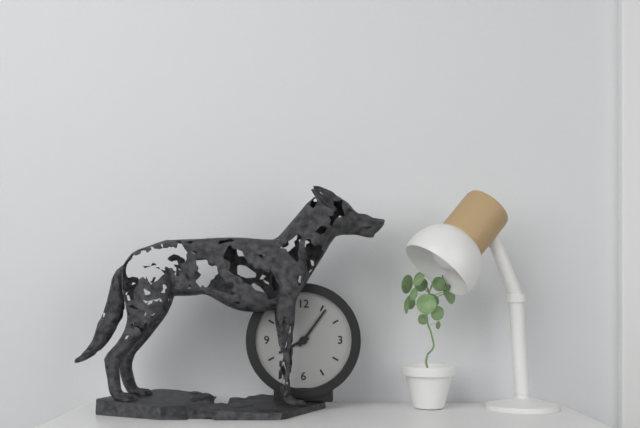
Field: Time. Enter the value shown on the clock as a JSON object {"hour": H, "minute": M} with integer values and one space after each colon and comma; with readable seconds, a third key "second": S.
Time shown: {"hour": 8, "minute": 6}
